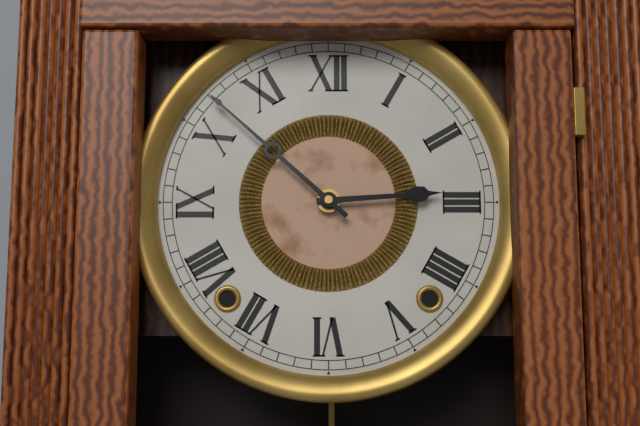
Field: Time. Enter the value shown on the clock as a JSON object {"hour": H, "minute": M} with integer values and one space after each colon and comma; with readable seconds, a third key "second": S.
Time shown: {"hour": 2, "minute": 52}
